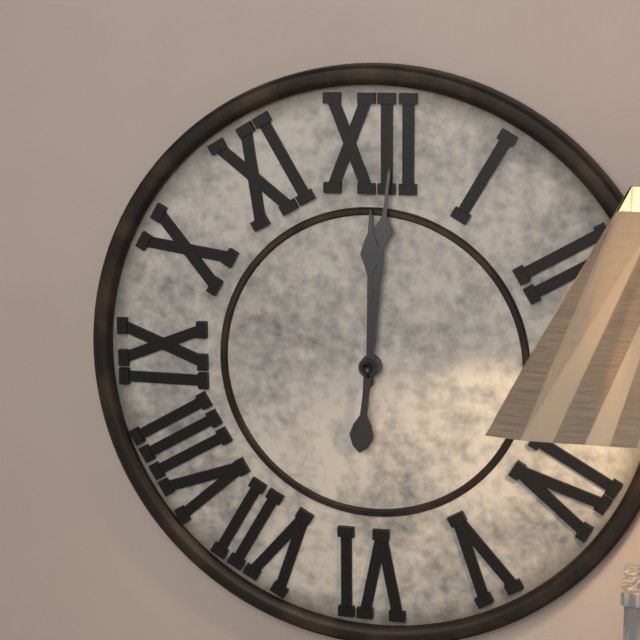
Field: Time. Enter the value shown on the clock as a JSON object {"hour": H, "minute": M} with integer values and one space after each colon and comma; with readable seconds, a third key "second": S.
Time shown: {"hour": 12, "minute": 1}
